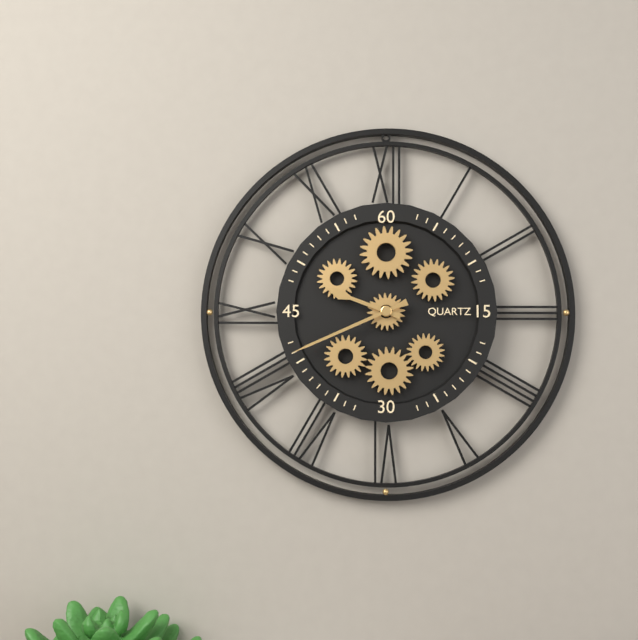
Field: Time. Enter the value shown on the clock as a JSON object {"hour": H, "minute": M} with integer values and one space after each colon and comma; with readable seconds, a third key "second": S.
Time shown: {"hour": 9, "minute": 41}
